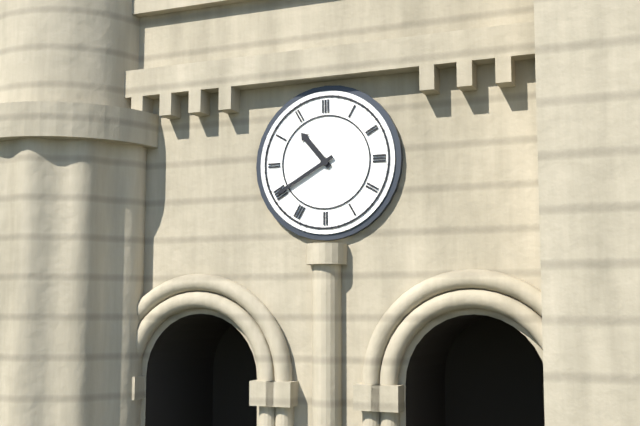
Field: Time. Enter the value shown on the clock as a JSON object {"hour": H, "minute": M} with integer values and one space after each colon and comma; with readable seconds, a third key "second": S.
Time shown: {"hour": 10, "minute": 40}
